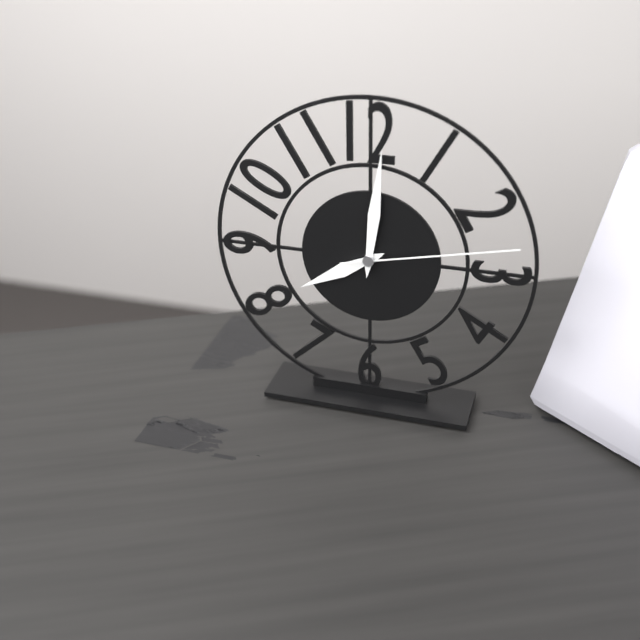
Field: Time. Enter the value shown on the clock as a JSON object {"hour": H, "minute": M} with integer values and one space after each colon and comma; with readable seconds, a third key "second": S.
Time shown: {"hour": 8, "minute": 1, "second": 13}
